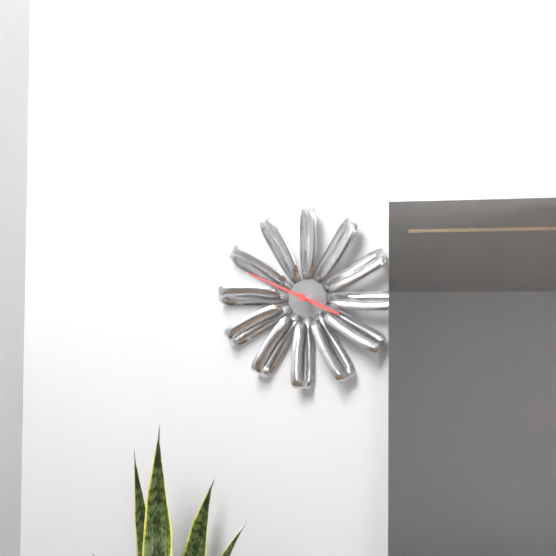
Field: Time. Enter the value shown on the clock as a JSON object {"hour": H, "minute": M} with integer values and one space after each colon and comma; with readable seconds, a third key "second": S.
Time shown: {"hour": 3, "minute": 49}
